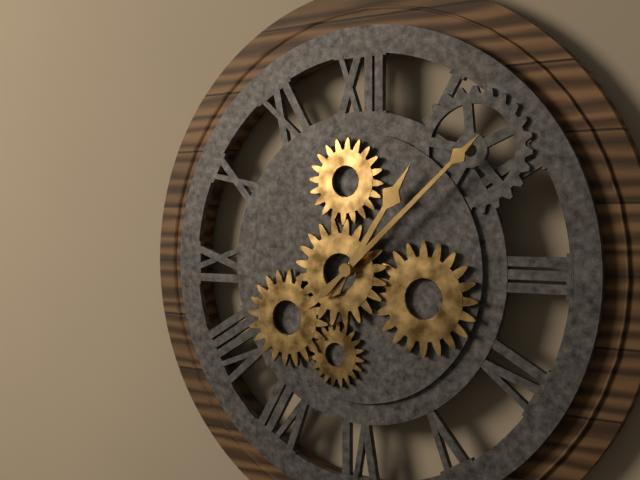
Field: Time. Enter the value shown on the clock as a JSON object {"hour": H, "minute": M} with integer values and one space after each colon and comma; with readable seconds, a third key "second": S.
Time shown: {"hour": 1, "minute": 8}
